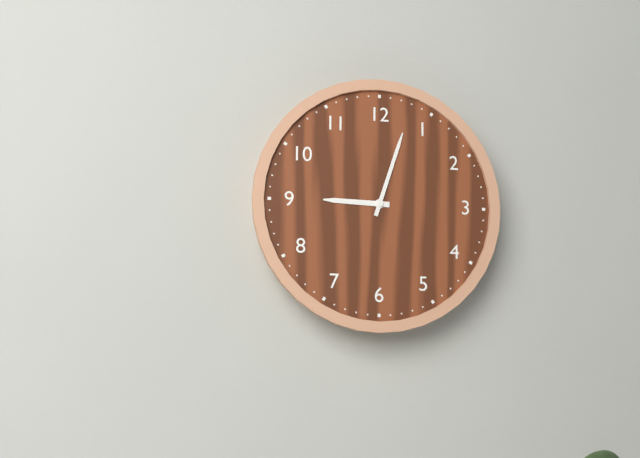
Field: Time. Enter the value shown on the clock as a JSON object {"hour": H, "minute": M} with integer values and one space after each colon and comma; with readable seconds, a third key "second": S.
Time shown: {"hour": 9, "minute": 3}
